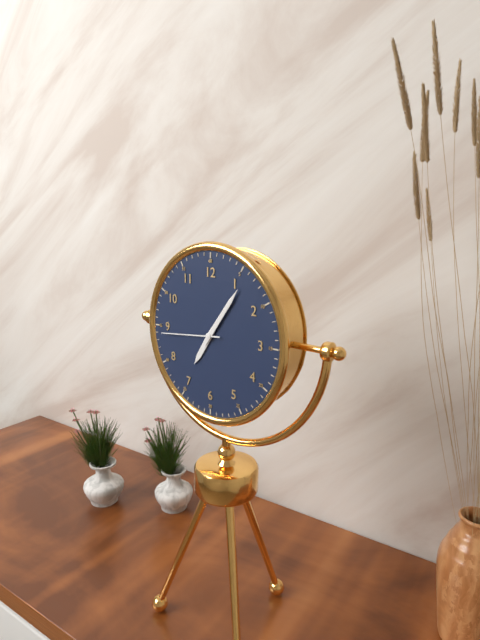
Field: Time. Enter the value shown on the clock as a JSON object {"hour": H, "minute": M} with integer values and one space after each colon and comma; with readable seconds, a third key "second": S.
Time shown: {"hour": 7, "minute": 6, "second": 44}
